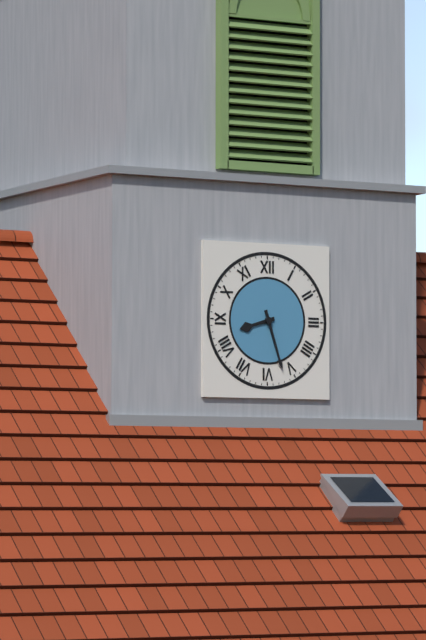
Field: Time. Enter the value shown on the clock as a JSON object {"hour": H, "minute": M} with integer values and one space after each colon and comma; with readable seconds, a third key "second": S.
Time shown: {"hour": 8, "minute": 27}
